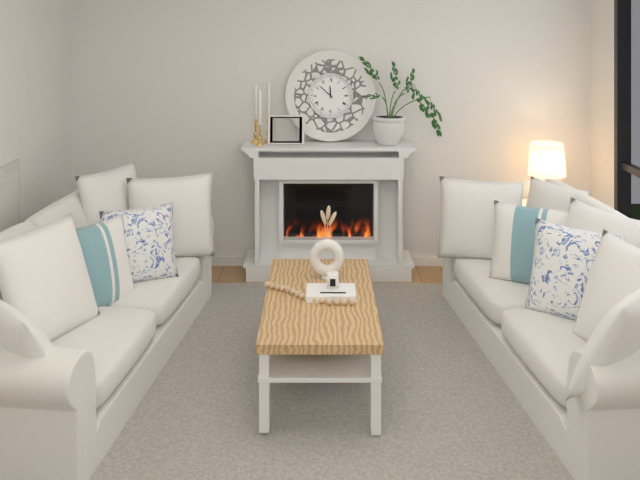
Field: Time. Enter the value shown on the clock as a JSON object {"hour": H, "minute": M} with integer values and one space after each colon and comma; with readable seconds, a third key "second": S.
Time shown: {"hour": 11, "minute": 52}
